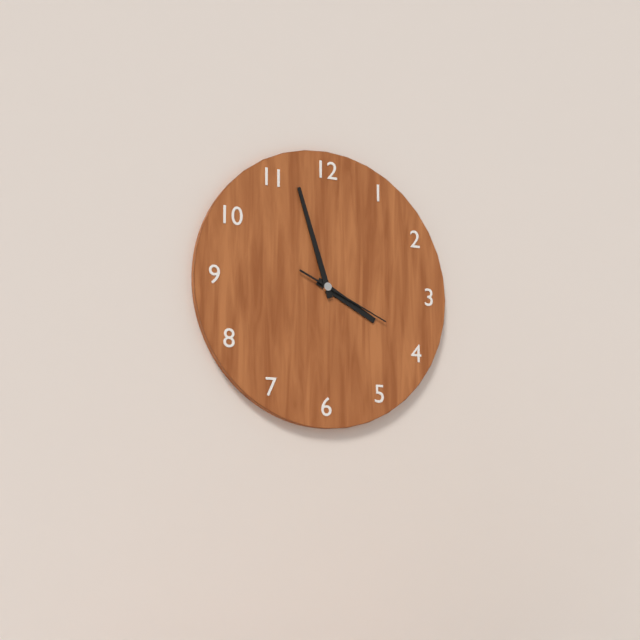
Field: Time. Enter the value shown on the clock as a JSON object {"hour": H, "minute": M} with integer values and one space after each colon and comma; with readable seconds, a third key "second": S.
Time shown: {"hour": 3, "minute": 57, "second": 19}
